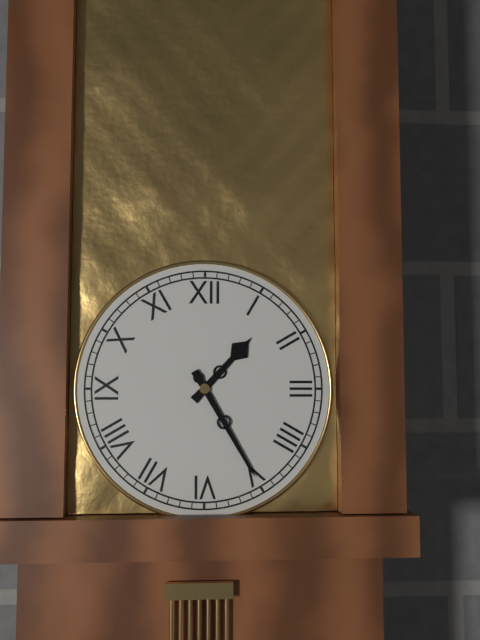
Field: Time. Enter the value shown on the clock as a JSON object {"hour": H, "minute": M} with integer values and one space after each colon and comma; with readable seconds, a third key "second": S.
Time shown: {"hour": 1, "minute": 25}
